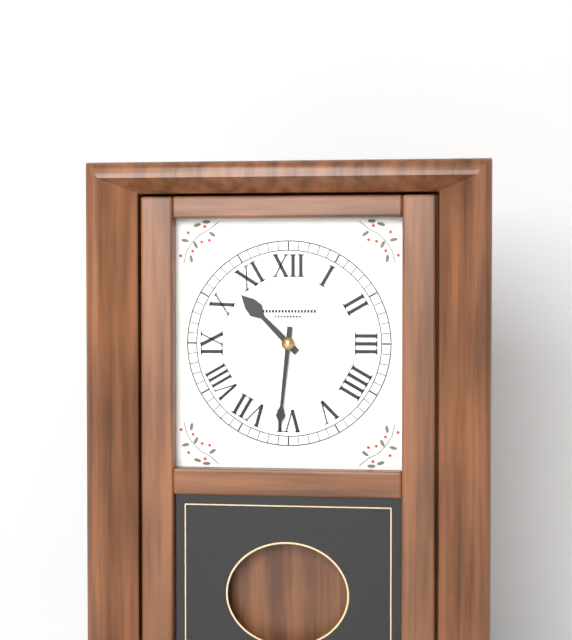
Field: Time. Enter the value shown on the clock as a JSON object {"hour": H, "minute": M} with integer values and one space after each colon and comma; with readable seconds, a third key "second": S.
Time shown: {"hour": 10, "minute": 31}
